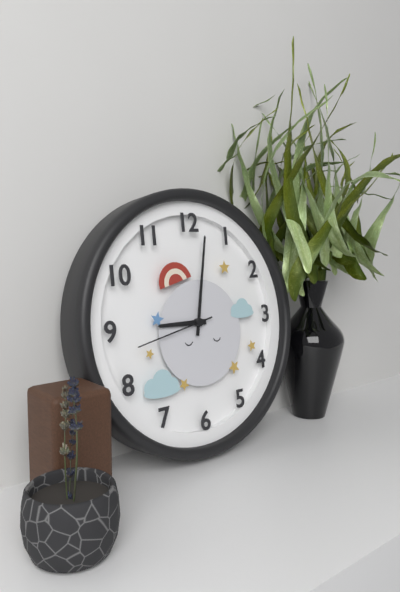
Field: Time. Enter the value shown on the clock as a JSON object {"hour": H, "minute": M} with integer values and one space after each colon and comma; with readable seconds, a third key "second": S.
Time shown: {"hour": 9, "minute": 2, "second": 43}
